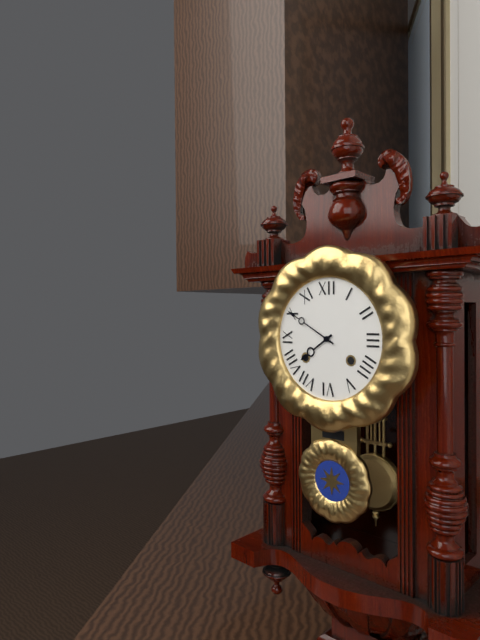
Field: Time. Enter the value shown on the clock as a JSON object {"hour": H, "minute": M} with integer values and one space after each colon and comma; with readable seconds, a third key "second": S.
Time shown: {"hour": 7, "minute": 50}
